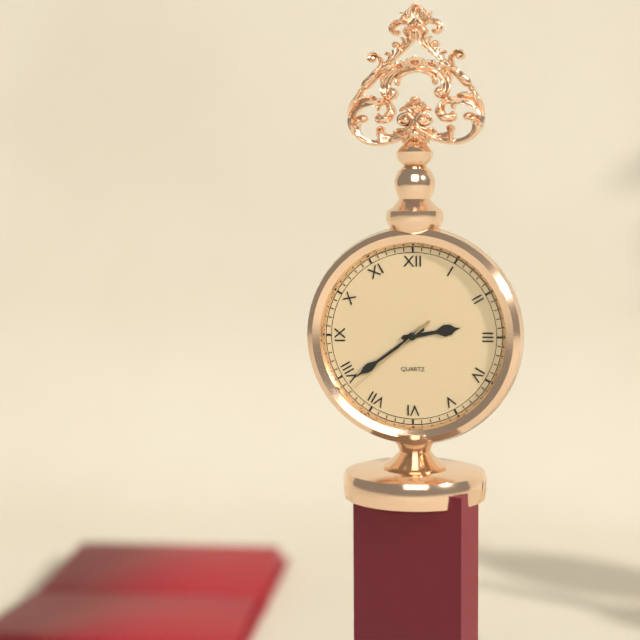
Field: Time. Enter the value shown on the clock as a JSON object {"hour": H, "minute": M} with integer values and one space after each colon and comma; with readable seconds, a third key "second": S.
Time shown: {"hour": 2, "minute": 39, "second": 38}
